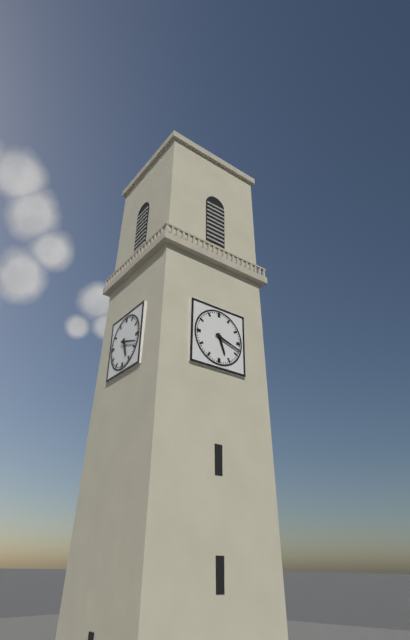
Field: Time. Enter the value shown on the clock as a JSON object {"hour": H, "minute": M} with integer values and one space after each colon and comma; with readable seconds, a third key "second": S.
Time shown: {"hour": 5, "minute": 18}
